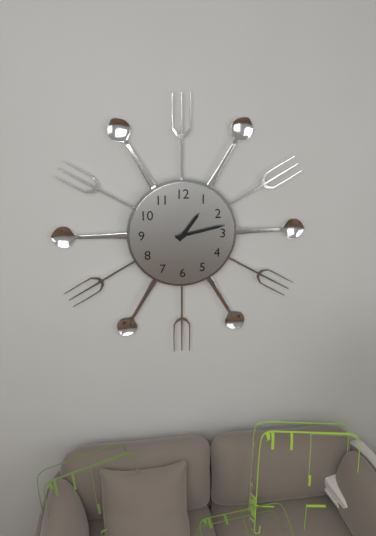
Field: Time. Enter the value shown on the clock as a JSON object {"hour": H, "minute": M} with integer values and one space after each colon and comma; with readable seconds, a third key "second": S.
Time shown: {"hour": 1, "minute": 13}
